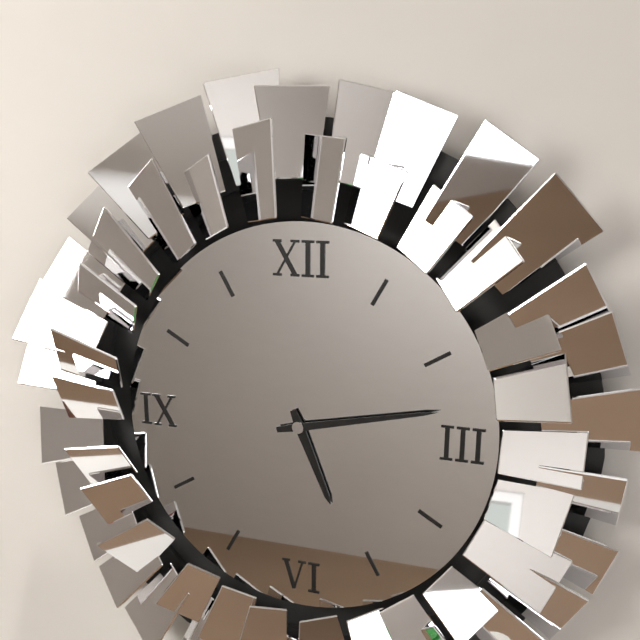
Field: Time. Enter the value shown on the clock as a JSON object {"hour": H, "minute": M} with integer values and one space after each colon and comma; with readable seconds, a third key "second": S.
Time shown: {"hour": 5, "minute": 13}
